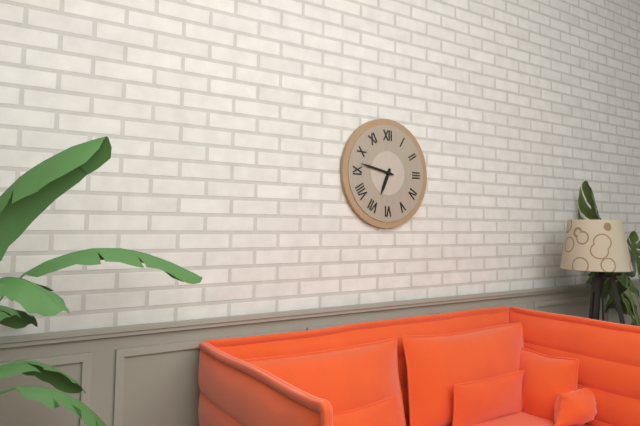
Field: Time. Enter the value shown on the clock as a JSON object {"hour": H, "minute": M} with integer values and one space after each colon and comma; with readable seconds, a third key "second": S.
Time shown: {"hour": 6, "minute": 47}
